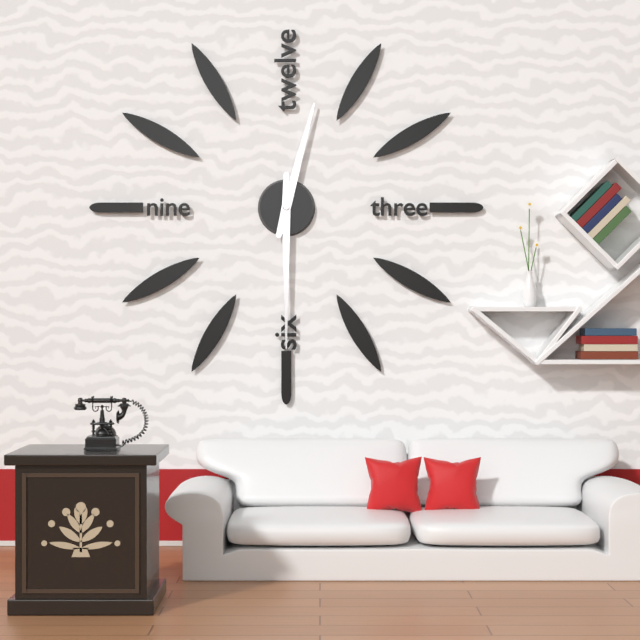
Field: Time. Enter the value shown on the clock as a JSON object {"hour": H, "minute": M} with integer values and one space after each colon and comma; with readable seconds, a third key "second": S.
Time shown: {"hour": 12, "minute": 30}
